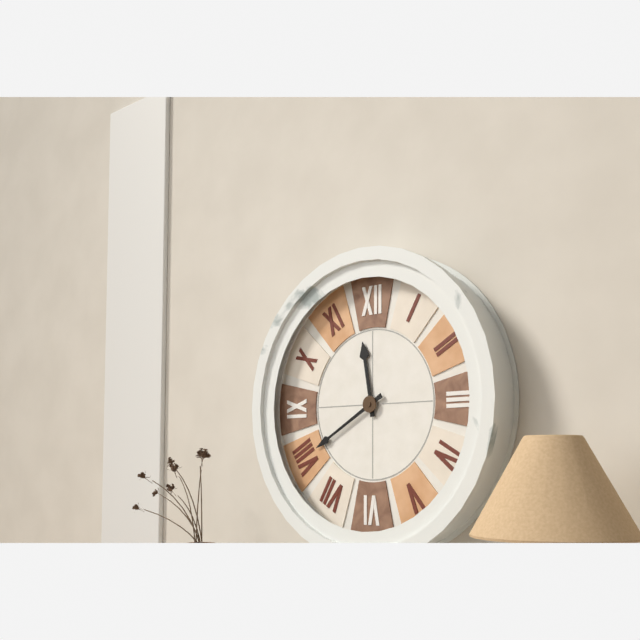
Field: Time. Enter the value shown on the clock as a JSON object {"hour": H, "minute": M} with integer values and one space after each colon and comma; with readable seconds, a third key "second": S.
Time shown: {"hour": 11, "minute": 40}
